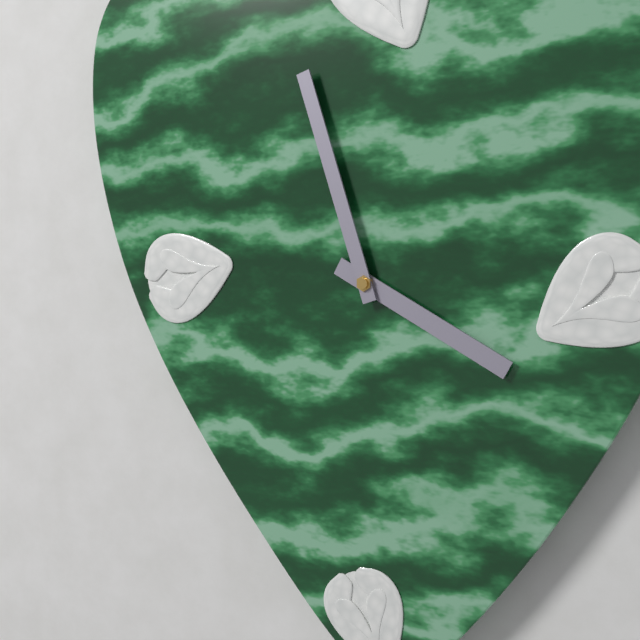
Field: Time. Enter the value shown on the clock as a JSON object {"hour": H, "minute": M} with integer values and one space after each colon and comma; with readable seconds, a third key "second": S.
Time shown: {"hour": 3, "minute": 57}
